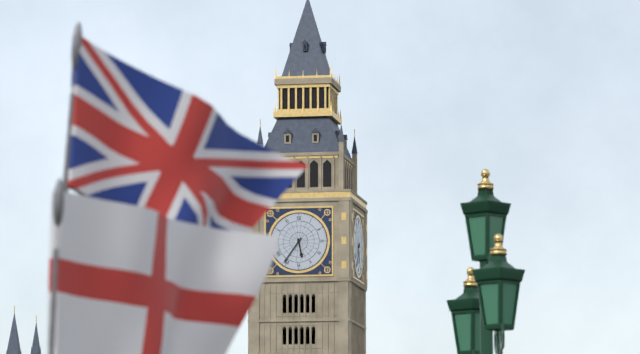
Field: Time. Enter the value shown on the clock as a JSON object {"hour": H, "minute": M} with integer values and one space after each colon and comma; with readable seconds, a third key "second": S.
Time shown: {"hour": 5, "minute": 36}
